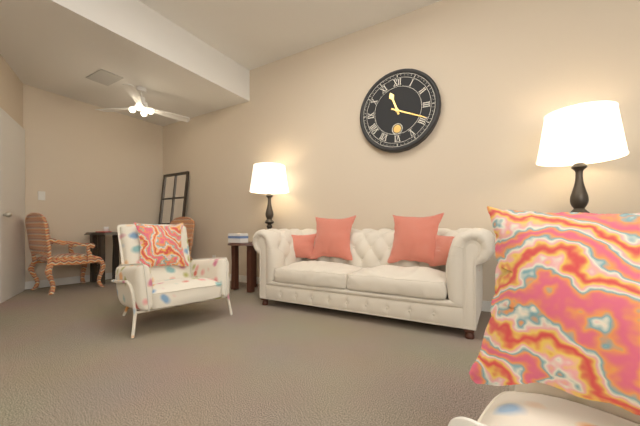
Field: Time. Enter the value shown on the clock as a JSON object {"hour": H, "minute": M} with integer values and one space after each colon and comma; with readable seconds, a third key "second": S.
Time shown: {"hour": 11, "minute": 19}
